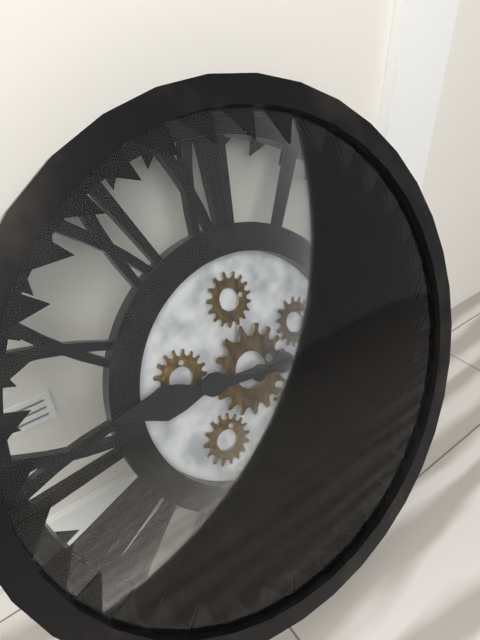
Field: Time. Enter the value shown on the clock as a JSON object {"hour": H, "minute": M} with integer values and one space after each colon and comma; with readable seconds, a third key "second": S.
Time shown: {"hour": 9, "minute": 17}
